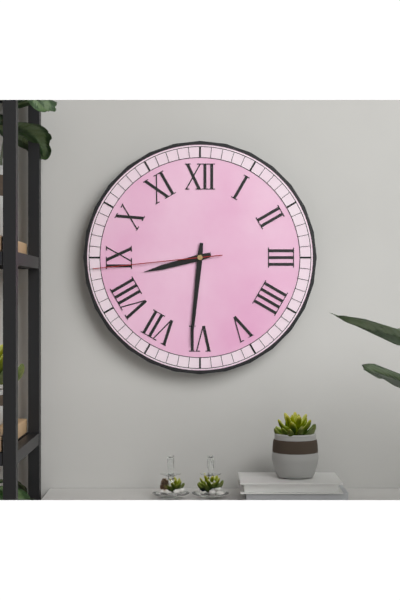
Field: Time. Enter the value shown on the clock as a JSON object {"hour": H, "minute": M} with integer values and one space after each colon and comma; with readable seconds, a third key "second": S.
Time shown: {"hour": 8, "minute": 31, "second": 44}
